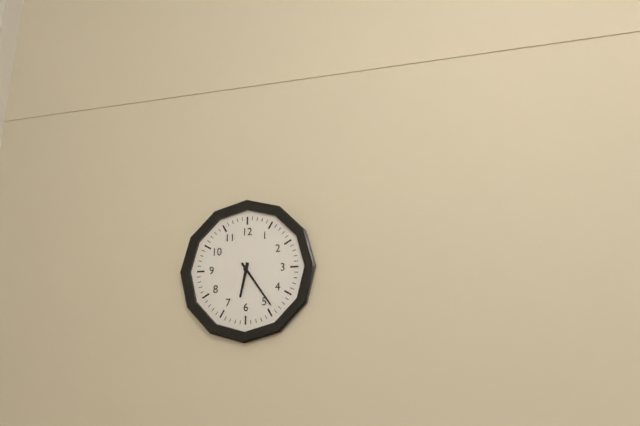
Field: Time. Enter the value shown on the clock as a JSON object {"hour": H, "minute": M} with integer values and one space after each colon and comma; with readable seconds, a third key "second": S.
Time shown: {"hour": 6, "minute": 24}
